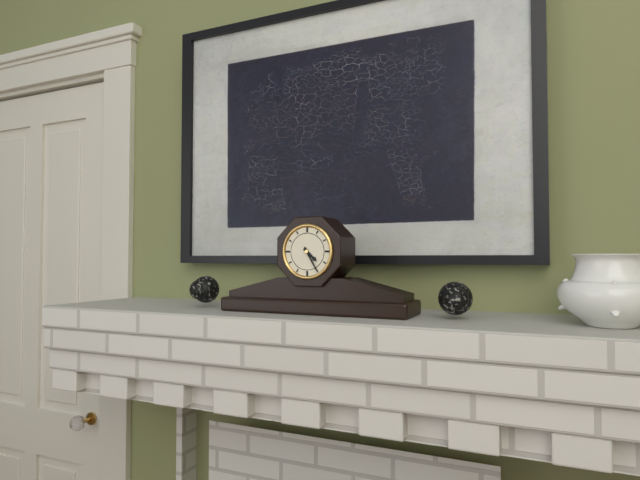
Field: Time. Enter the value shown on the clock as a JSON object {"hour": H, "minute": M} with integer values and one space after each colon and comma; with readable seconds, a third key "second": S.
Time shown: {"hour": 4, "minute": 25}
